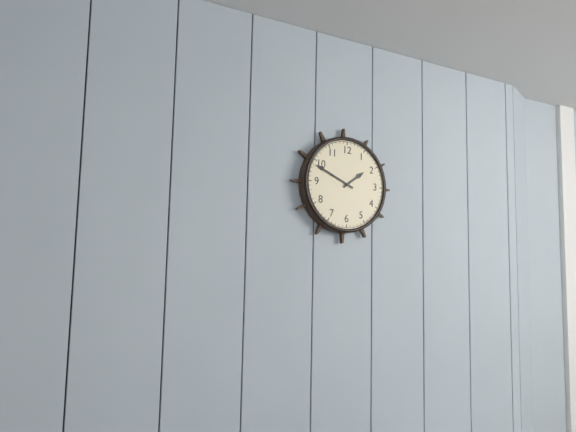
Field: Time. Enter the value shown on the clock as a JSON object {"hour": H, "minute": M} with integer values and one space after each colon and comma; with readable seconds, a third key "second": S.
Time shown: {"hour": 1, "minute": 49}
